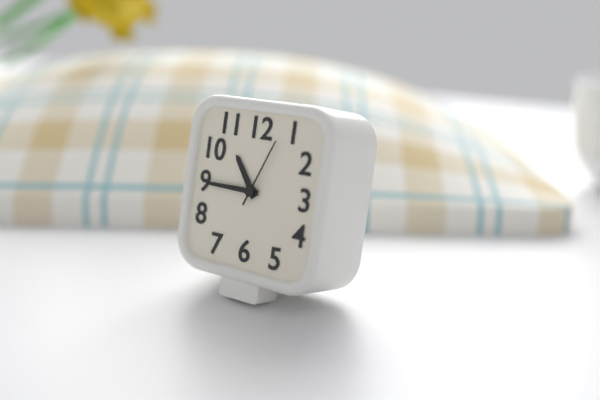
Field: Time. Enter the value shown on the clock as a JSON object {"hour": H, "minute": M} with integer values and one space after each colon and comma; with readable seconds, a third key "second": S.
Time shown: {"hour": 10, "minute": 45, "second": 4}
